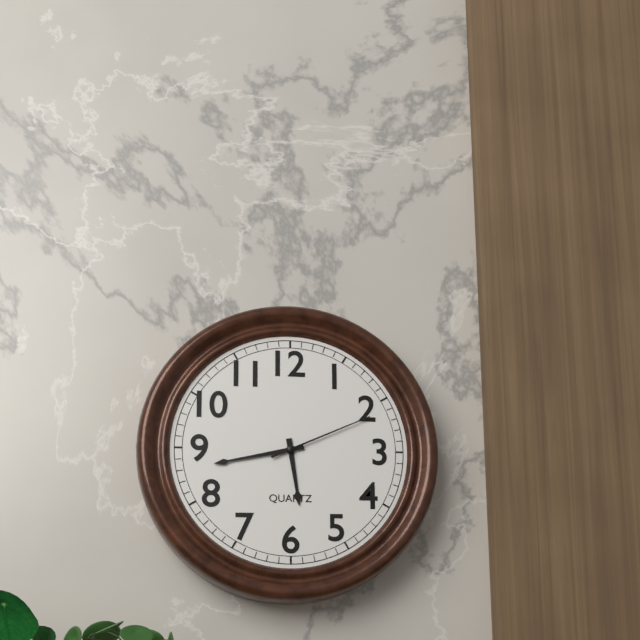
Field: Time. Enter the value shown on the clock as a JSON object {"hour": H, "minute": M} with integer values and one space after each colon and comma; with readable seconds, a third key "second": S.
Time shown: {"hour": 5, "minute": 43, "second": 11}
